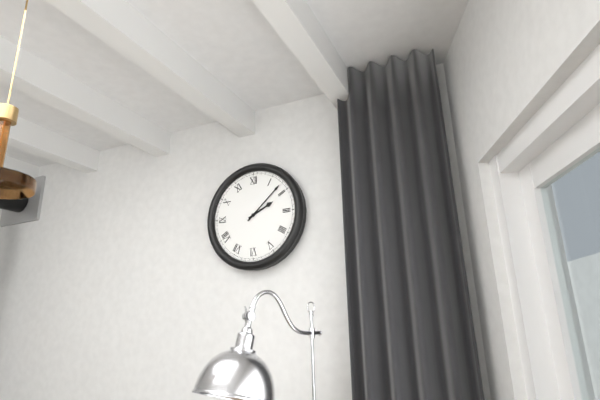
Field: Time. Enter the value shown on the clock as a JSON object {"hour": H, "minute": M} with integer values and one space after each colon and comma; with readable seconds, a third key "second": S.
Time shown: {"hour": 2, "minute": 8}
